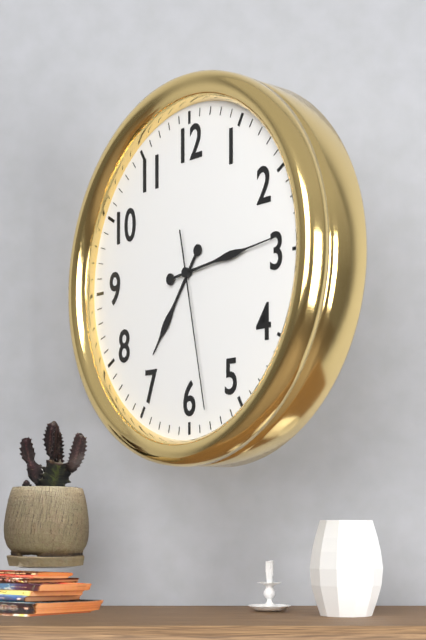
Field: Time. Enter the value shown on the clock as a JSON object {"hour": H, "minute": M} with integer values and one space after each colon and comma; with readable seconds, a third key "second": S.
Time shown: {"hour": 7, "minute": 14, "second": 28}
